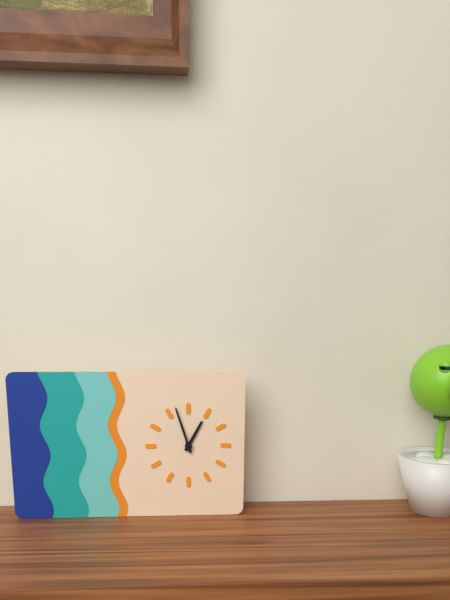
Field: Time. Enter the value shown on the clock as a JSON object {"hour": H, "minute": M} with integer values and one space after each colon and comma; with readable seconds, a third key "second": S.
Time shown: {"hour": 12, "minute": 57}
